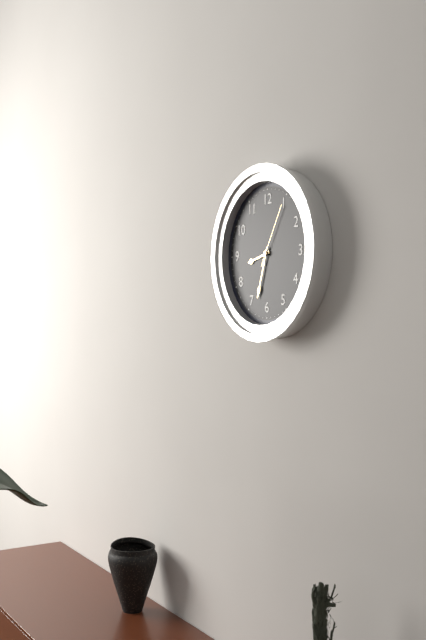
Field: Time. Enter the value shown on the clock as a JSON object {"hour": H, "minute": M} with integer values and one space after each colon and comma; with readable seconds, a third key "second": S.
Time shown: {"hour": 8, "minute": 33, "second": 5}
